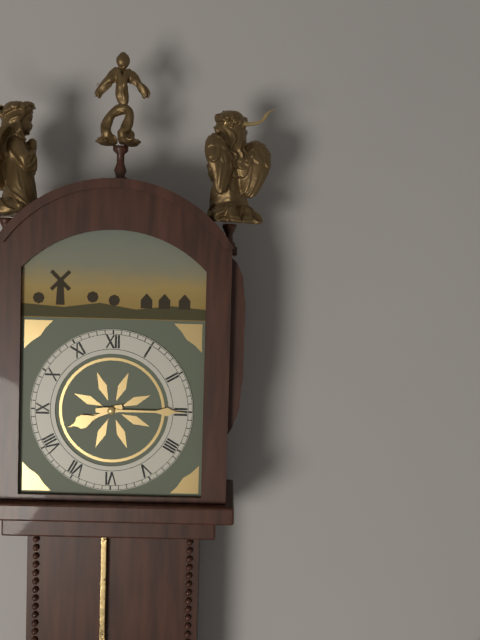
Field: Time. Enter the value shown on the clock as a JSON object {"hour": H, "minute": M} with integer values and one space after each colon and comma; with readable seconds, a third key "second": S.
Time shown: {"hour": 8, "minute": 15}
